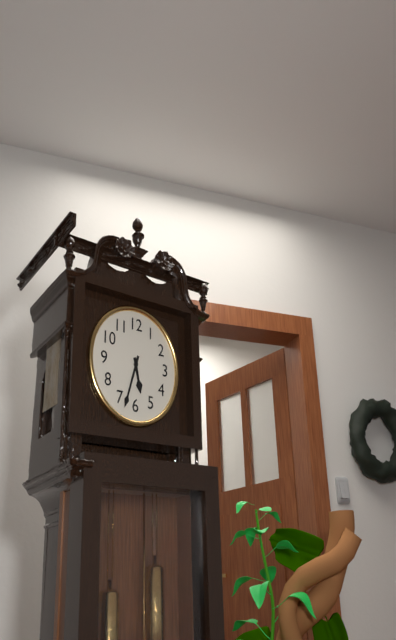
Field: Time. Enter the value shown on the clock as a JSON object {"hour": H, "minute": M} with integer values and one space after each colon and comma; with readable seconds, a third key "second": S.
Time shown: {"hour": 5, "minute": 33}
